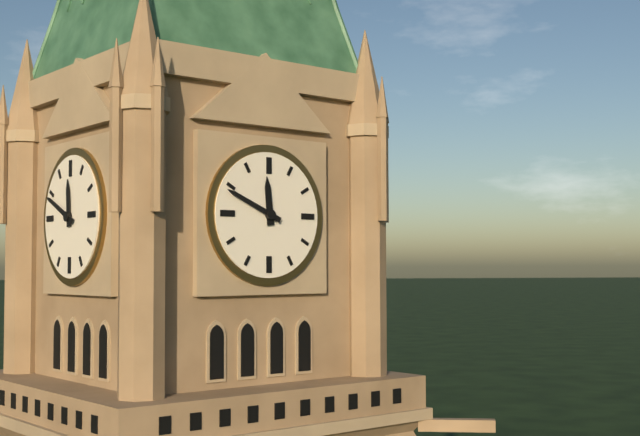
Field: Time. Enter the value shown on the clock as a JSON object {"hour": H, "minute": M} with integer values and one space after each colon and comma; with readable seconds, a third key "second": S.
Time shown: {"hour": 11, "minute": 49}
